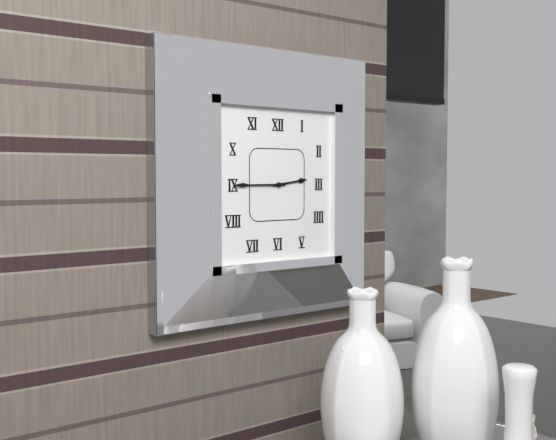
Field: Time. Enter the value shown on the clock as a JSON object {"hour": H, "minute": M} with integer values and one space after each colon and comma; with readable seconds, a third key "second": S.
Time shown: {"hour": 2, "minute": 45}
